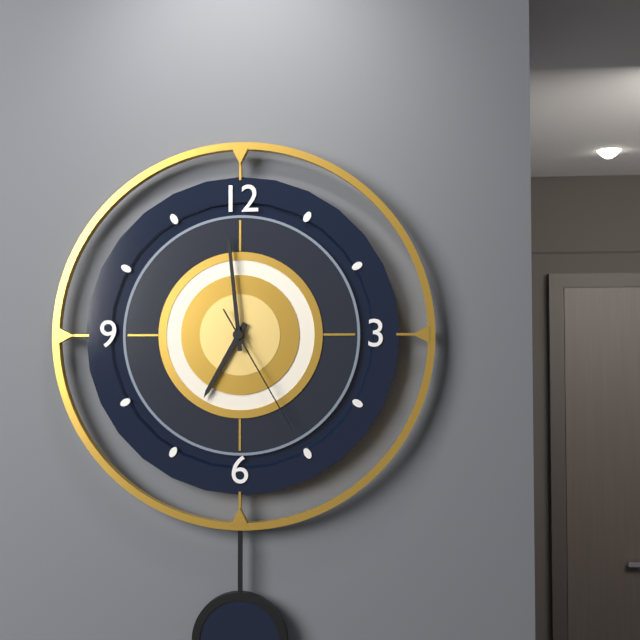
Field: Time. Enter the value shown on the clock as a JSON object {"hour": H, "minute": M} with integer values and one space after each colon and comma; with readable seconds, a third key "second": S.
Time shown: {"hour": 6, "minute": 59, "second": 25}
